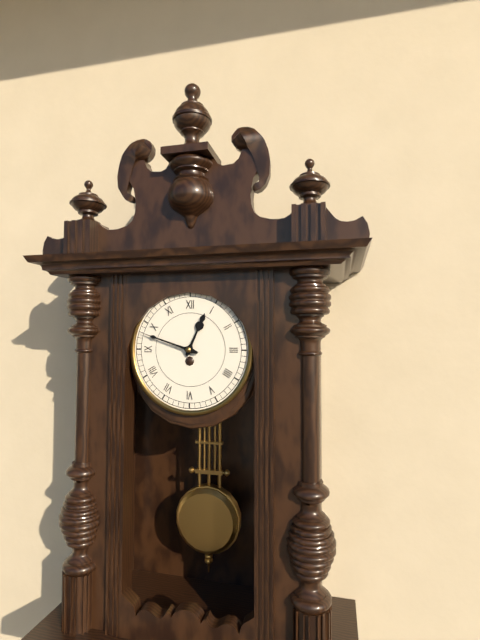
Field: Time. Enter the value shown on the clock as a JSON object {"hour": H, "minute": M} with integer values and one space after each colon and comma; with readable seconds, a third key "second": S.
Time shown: {"hour": 12, "minute": 48}
